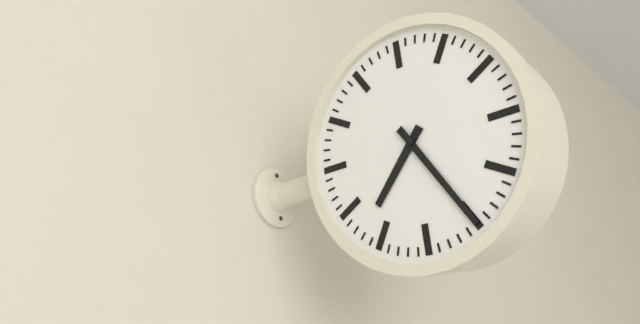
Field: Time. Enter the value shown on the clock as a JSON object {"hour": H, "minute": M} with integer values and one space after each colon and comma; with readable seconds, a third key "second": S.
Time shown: {"hour": 7, "minute": 25}
